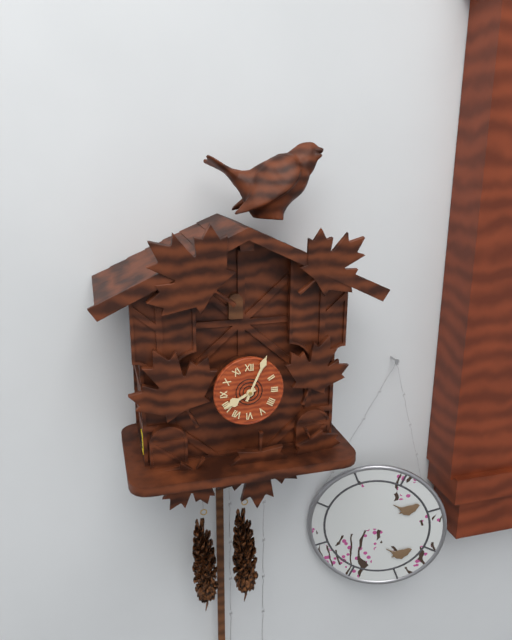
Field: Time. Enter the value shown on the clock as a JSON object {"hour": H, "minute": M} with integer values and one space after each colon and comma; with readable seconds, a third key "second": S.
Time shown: {"hour": 8, "minute": 4}
